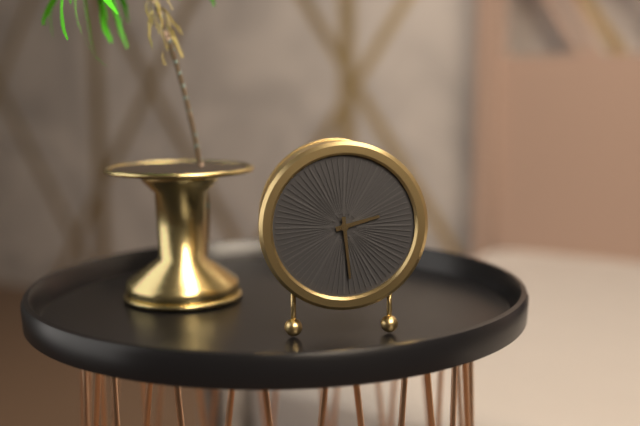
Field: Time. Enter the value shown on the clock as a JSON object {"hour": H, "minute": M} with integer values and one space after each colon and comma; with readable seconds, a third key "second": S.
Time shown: {"hour": 2, "minute": 29}
